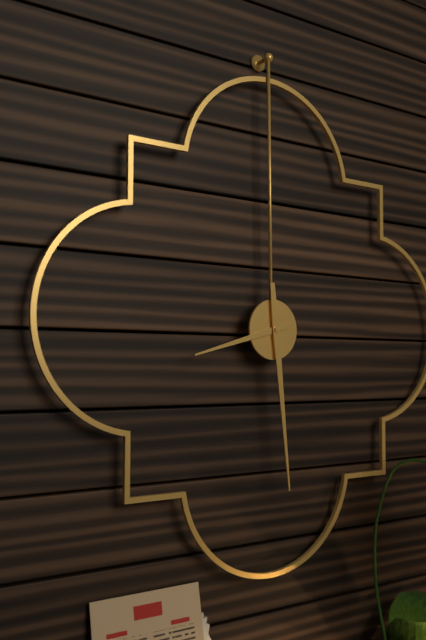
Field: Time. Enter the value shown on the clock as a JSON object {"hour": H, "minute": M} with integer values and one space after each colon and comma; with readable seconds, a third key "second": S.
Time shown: {"hour": 8, "minute": 29}
